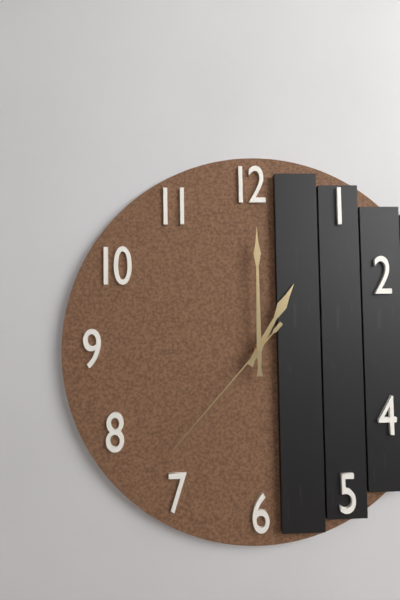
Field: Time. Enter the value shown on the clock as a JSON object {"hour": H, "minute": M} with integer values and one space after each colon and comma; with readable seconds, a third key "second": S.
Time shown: {"hour": 1, "minute": 0, "second": 37}
